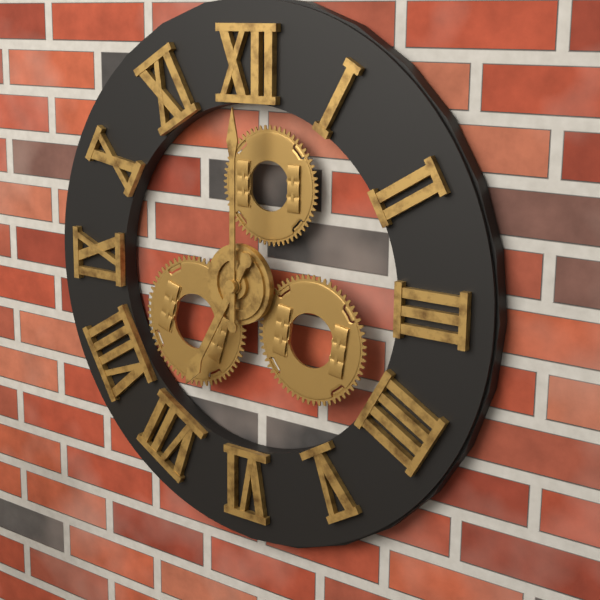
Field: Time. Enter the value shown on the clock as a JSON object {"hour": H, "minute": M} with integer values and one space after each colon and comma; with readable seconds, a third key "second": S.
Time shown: {"hour": 7, "minute": 0}
